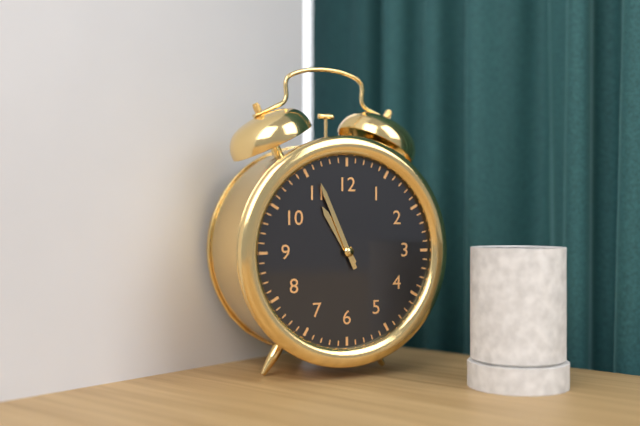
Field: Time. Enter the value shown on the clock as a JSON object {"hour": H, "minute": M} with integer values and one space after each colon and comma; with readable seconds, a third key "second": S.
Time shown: {"hour": 10, "minute": 56}
